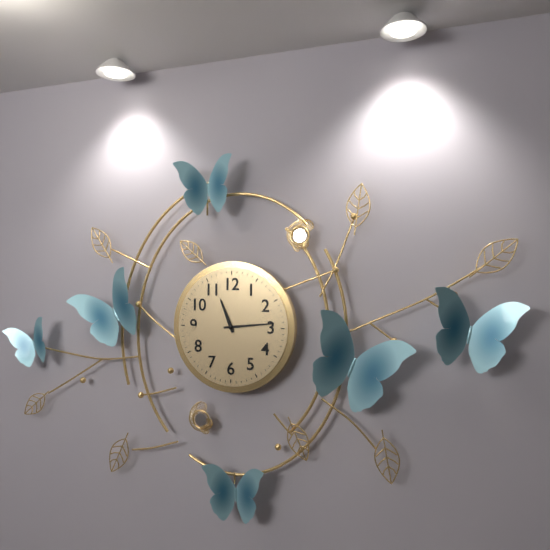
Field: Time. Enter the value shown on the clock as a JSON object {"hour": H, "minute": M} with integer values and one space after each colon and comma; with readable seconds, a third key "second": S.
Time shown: {"hour": 11, "minute": 14}
